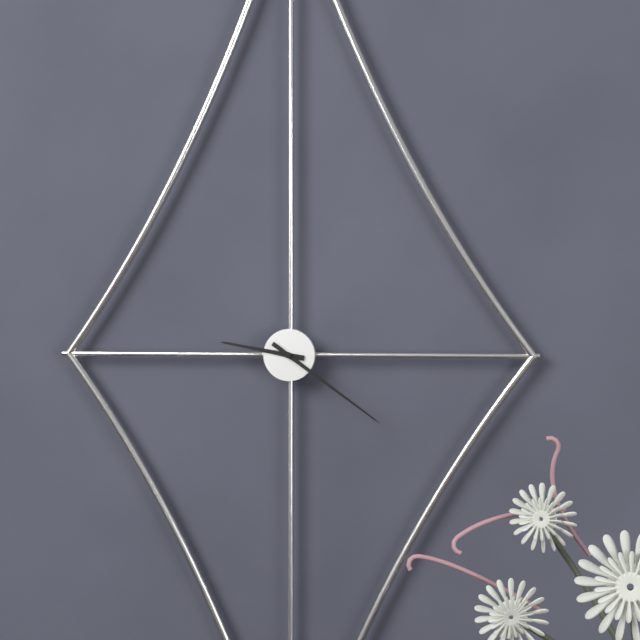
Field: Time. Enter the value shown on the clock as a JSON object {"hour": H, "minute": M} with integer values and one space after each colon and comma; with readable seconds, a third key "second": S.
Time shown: {"hour": 9, "minute": 21}
